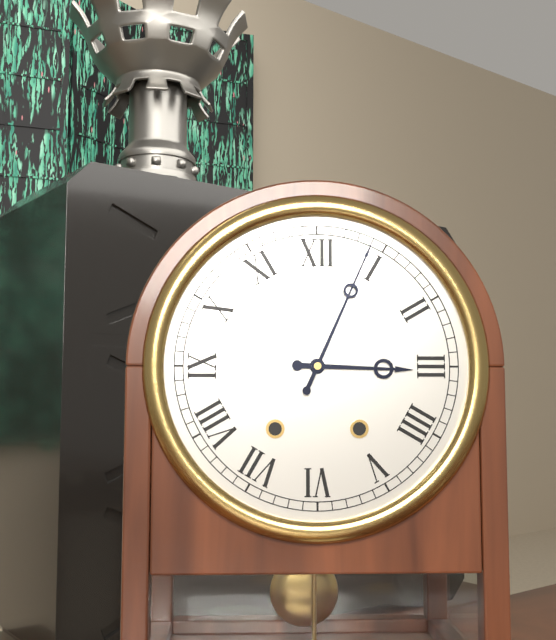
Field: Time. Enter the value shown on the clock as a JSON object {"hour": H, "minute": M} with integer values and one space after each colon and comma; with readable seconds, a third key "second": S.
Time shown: {"hour": 3, "minute": 4}
